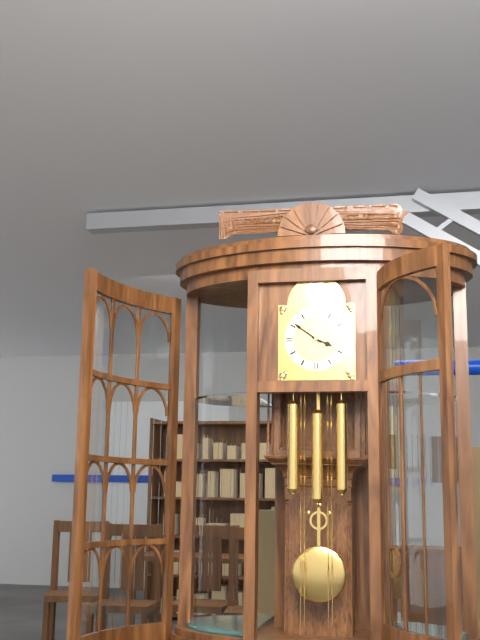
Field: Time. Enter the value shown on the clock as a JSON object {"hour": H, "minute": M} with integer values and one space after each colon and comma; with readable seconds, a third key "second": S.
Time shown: {"hour": 3, "minute": 51}
